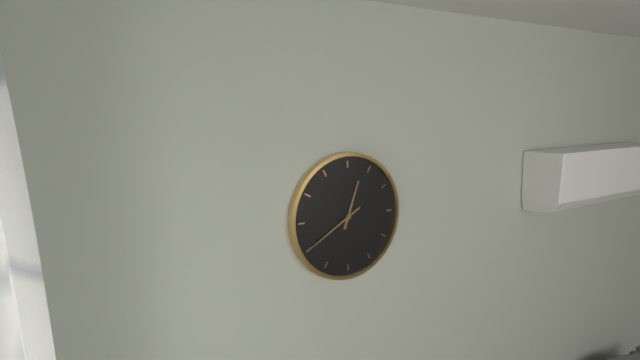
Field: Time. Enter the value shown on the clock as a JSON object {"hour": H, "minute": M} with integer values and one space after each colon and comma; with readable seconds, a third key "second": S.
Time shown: {"hour": 12, "minute": 40}
